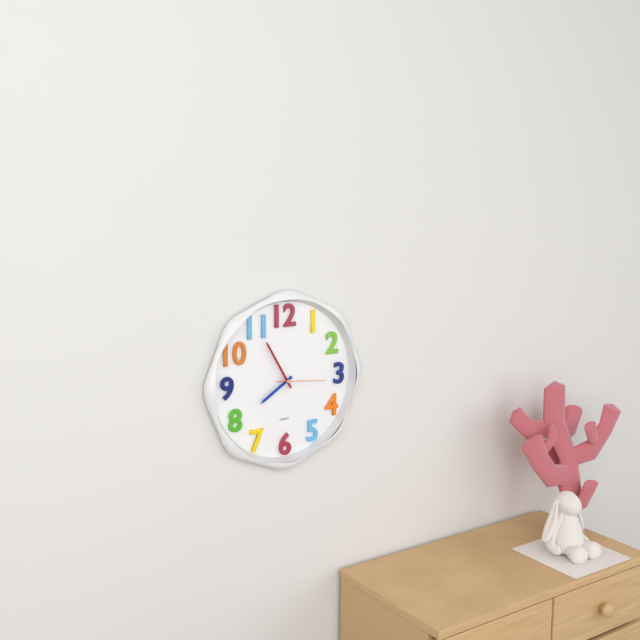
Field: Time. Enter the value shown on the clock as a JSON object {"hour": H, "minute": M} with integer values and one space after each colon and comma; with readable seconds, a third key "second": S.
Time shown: {"hour": 7, "minute": 55}
